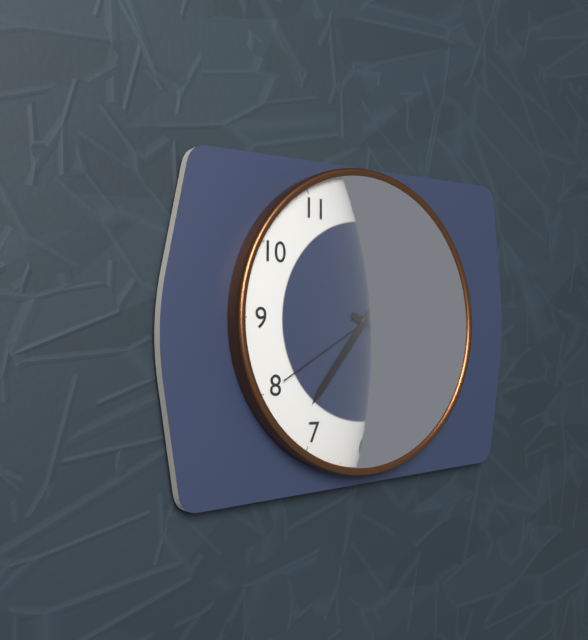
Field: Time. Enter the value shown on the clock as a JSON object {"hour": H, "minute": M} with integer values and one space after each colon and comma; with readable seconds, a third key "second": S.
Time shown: {"hour": 7, "minute": 18, "second": 40}
